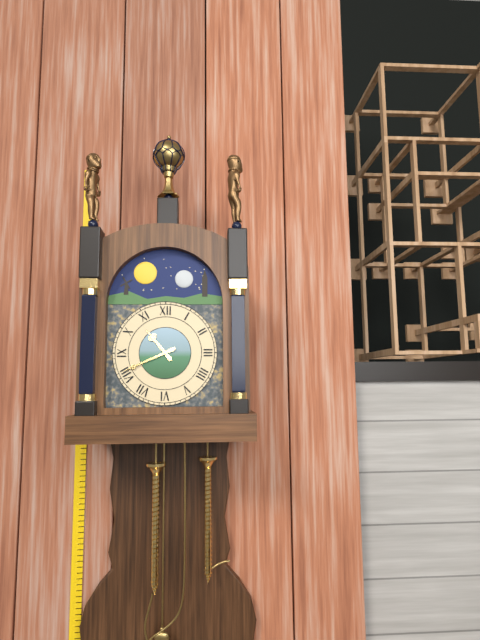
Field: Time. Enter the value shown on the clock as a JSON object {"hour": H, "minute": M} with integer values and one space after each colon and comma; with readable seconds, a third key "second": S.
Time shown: {"hour": 10, "minute": 41}
